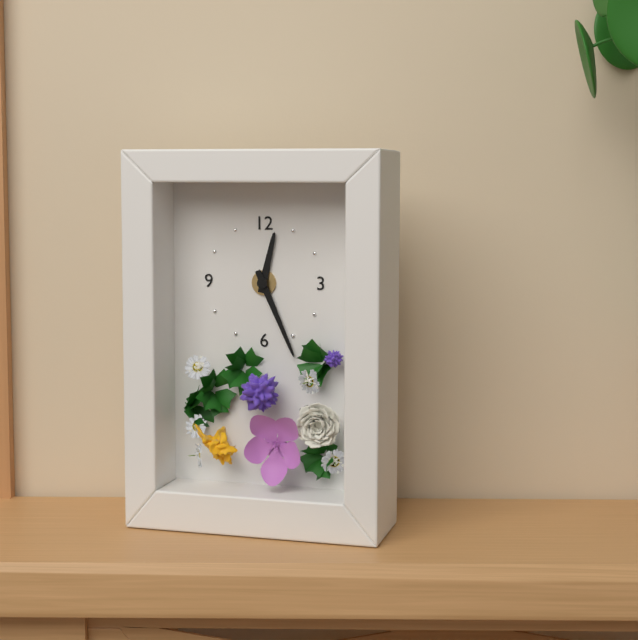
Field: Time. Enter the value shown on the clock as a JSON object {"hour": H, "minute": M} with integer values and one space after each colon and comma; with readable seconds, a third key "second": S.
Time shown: {"hour": 12, "minute": 26}
